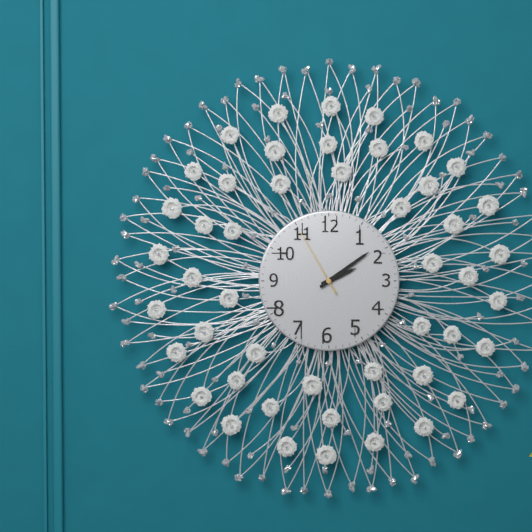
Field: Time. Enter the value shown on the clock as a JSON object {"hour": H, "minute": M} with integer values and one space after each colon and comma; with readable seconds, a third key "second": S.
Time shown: {"hour": 2, "minute": 9, "second": 55}
